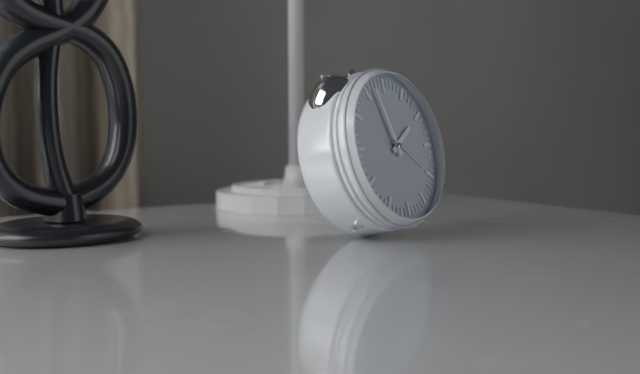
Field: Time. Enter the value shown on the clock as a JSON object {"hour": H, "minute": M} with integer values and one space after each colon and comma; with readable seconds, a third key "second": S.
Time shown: {"hour": 1, "minute": 57}
